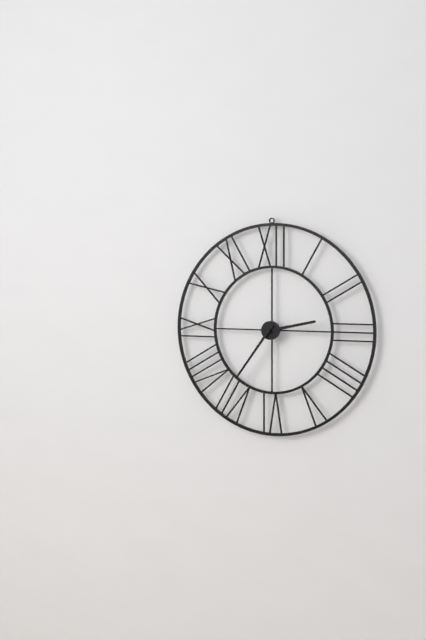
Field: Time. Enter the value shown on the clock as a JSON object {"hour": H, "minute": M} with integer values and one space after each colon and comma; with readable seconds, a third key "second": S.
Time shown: {"hour": 2, "minute": 36}
